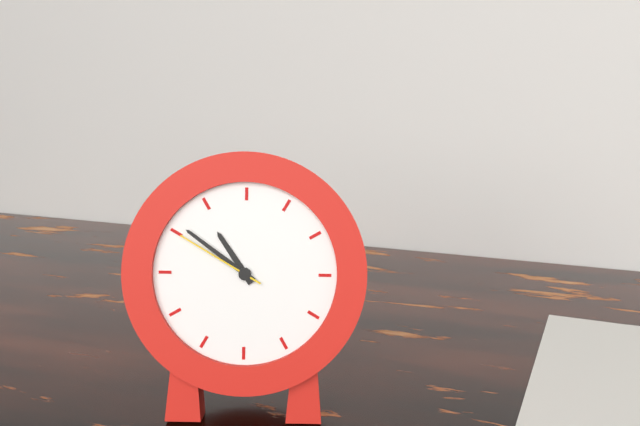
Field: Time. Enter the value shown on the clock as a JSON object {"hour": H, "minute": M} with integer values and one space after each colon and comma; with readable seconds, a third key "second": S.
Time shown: {"hour": 10, "minute": 51, "second": 50}
